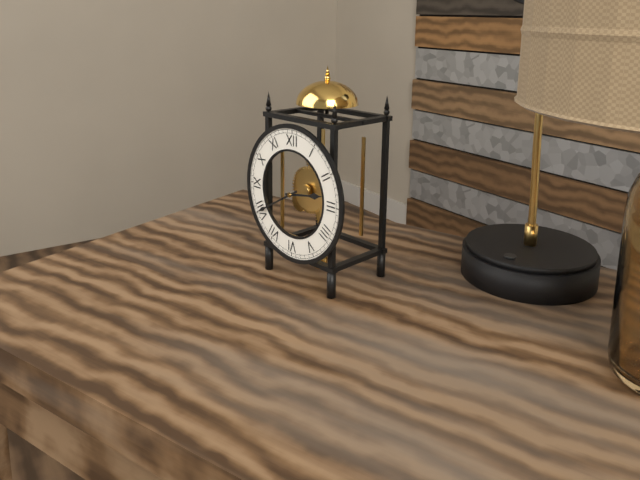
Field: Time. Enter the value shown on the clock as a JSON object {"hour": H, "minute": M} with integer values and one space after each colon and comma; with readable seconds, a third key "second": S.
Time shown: {"hour": 2, "minute": 40}
